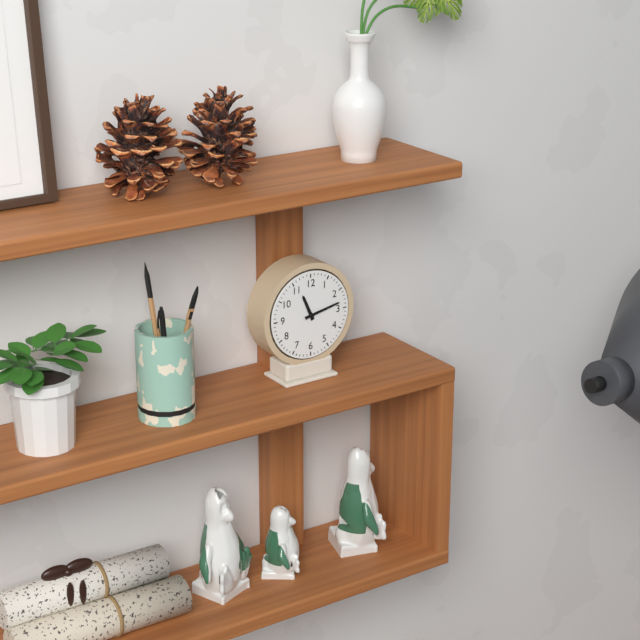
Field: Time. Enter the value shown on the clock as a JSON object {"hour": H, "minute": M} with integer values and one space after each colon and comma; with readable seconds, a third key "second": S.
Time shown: {"hour": 11, "minute": 13}
